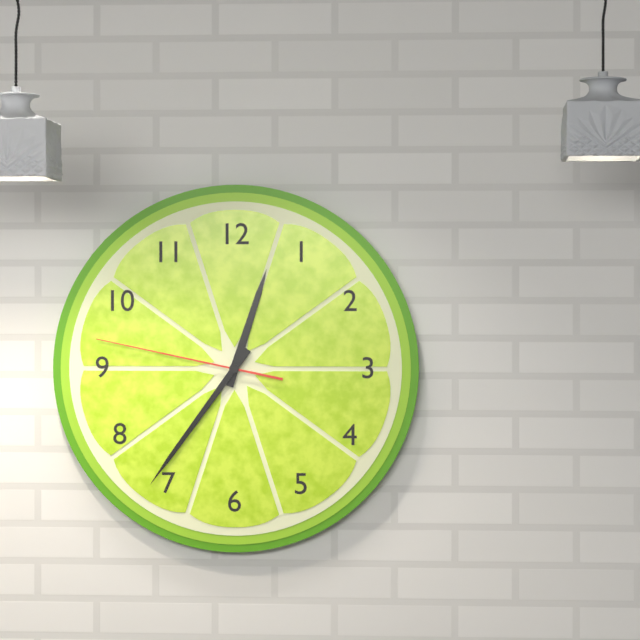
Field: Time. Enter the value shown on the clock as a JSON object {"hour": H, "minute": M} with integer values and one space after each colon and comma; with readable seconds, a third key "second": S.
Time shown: {"hour": 12, "minute": 36, "second": 47}
